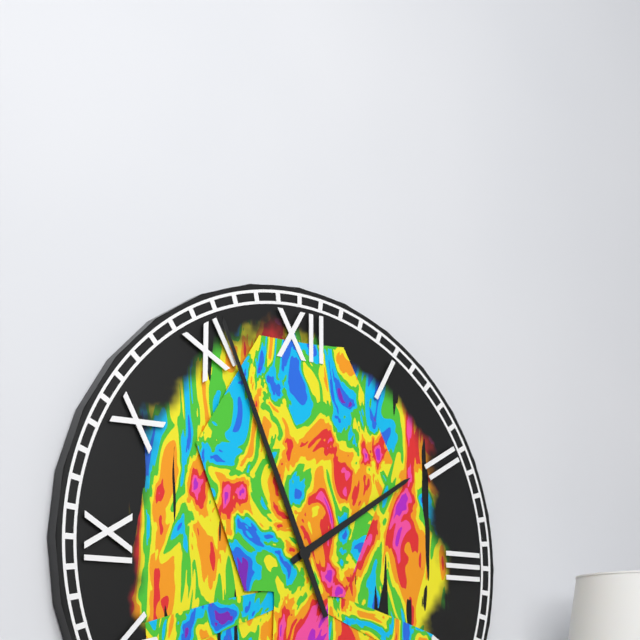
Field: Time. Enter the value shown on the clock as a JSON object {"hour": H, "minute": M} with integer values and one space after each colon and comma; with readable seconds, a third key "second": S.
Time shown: {"hour": 1, "minute": 56}
